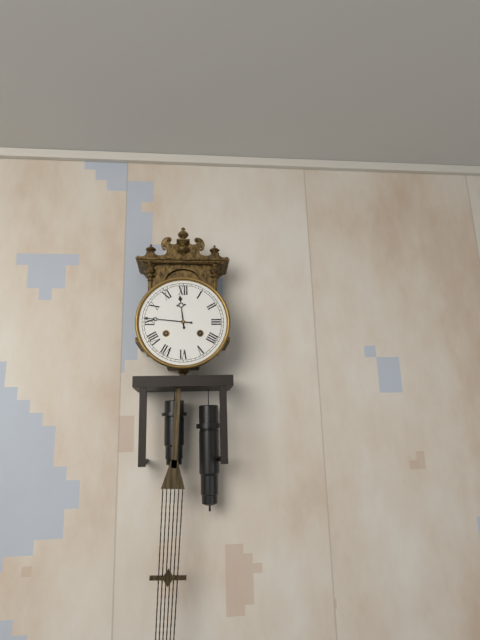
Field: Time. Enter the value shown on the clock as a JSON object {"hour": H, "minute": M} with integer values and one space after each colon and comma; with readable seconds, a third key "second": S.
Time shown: {"hour": 11, "minute": 46}
